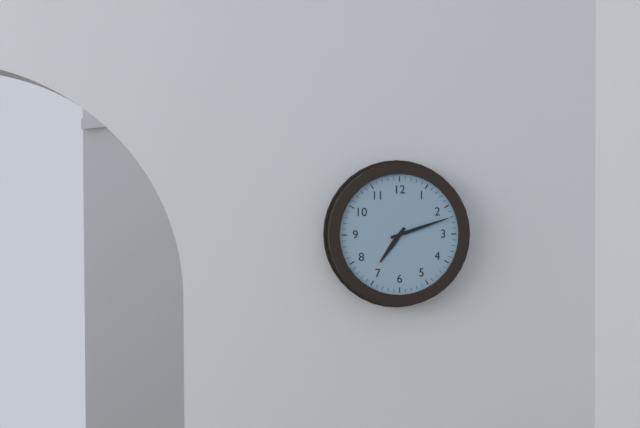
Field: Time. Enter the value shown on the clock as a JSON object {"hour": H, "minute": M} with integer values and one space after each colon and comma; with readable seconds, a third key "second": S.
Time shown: {"hour": 7, "minute": 12}
